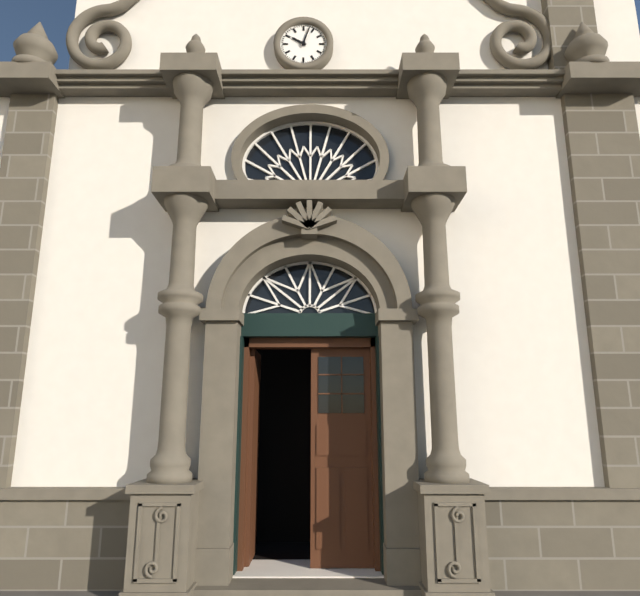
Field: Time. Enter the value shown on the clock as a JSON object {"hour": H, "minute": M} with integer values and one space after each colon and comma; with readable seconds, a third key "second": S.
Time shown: {"hour": 10, "minute": 3}
